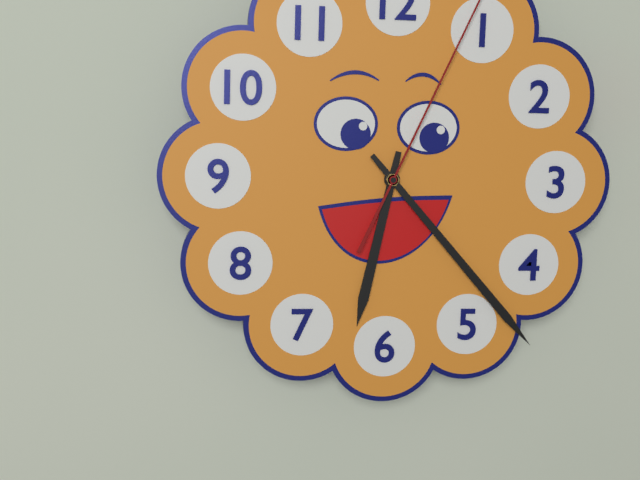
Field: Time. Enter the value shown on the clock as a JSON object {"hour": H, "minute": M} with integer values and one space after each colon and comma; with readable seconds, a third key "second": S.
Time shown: {"hour": 6, "minute": 23}
